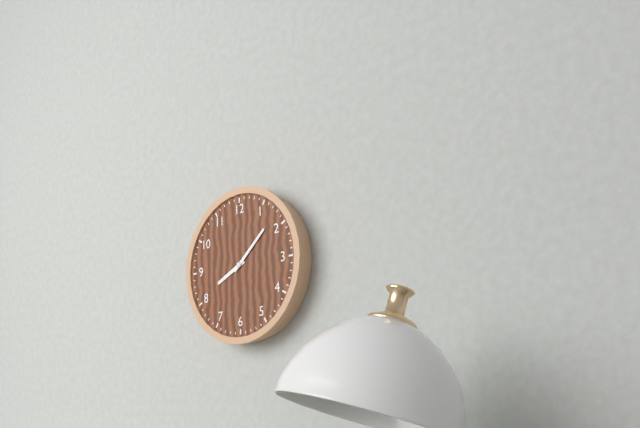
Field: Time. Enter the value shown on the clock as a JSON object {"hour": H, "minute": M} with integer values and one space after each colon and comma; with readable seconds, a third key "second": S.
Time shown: {"hour": 8, "minute": 8}
